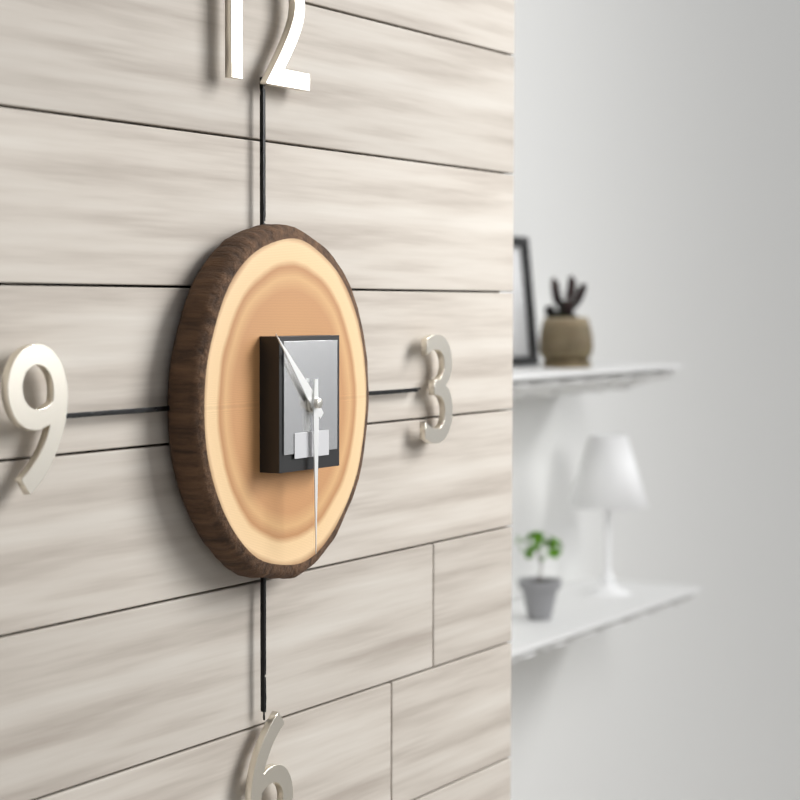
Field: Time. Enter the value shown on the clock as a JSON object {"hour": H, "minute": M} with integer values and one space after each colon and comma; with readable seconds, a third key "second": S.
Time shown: {"hour": 10, "minute": 30}
